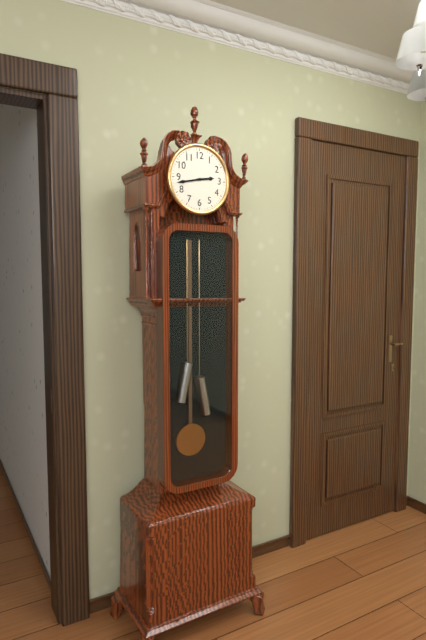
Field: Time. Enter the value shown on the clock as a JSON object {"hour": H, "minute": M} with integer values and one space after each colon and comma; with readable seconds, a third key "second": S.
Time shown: {"hour": 2, "minute": 43}
